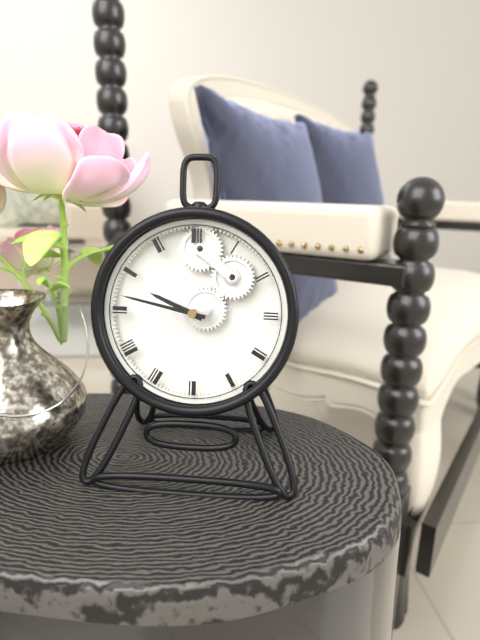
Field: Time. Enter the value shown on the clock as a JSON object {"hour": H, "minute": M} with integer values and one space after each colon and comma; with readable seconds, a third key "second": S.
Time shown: {"hour": 9, "minute": 47}
